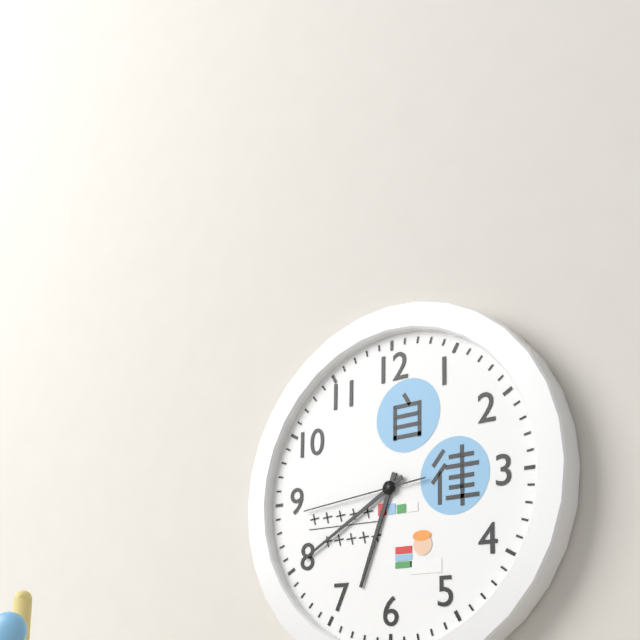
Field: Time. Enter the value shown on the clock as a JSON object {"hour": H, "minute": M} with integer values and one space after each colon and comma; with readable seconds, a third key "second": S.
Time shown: {"hour": 6, "minute": 40, "second": 44}
